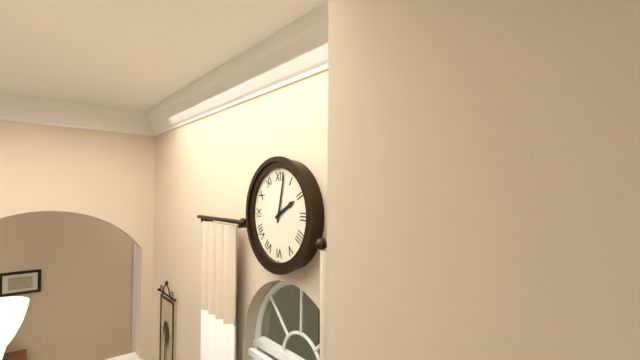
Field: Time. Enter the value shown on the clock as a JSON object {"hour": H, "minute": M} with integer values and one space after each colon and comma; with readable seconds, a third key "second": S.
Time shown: {"hour": 2, "minute": 2}
